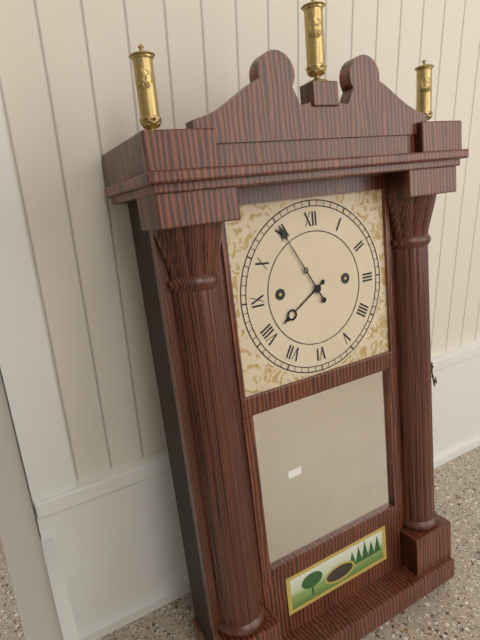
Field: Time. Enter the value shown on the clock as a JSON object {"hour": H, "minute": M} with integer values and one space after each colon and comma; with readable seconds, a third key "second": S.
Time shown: {"hour": 7, "minute": 55}
